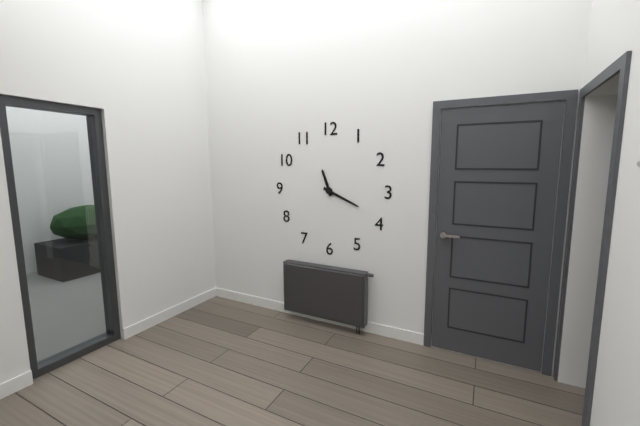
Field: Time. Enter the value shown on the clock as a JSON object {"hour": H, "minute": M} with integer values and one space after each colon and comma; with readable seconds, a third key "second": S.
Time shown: {"hour": 11, "minute": 19}
